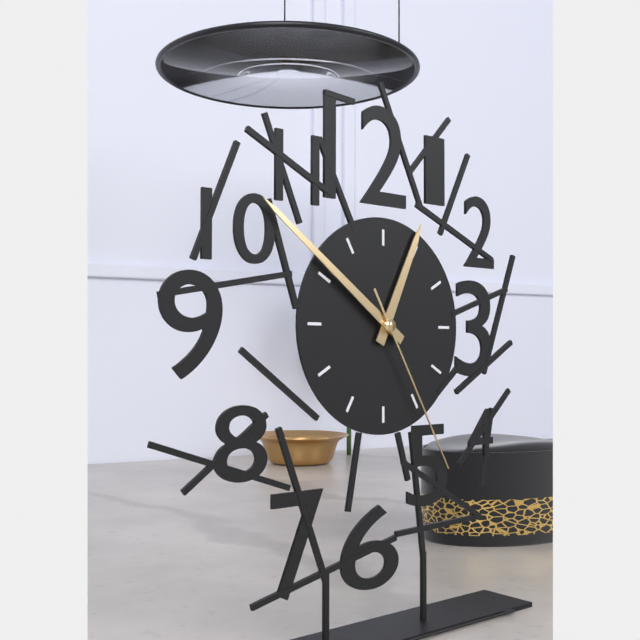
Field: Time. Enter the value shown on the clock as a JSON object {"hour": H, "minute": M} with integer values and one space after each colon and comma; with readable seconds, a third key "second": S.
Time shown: {"hour": 12, "minute": 51, "second": 25}
